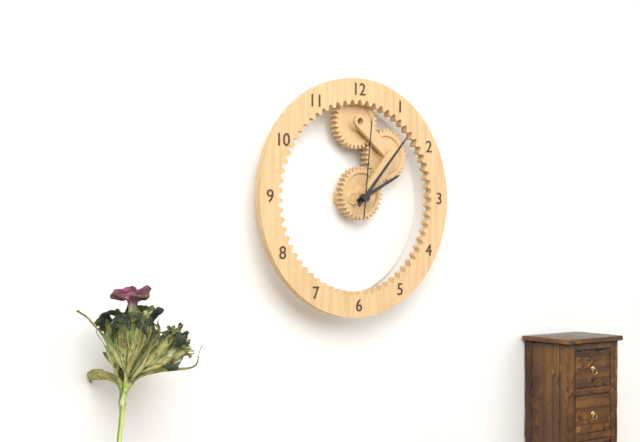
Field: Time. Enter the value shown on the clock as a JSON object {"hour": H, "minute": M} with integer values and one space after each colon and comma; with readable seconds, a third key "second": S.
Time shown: {"hour": 2, "minute": 7, "second": 1}
